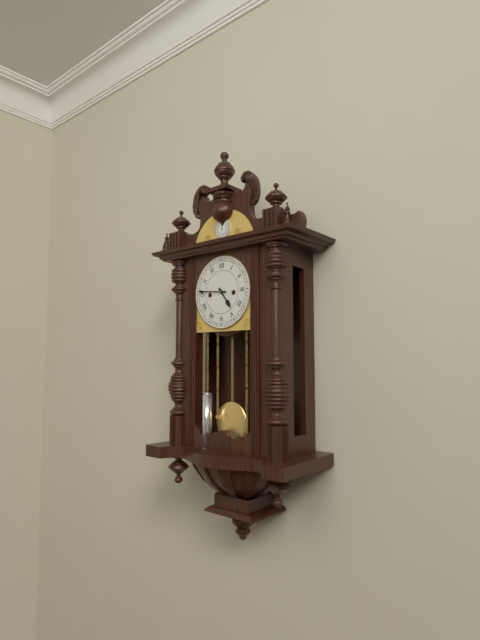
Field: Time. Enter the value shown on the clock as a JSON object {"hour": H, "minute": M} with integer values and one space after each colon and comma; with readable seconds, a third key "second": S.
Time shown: {"hour": 4, "minute": 46}
